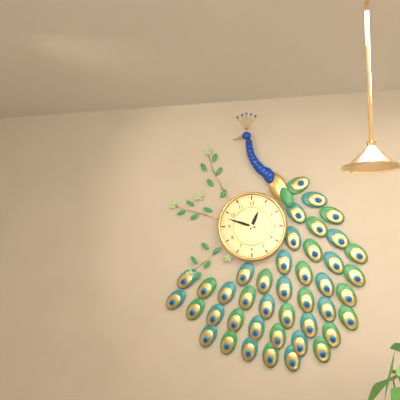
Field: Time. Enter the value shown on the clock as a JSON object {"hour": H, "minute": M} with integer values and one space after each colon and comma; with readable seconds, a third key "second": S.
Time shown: {"hour": 12, "minute": 48}
